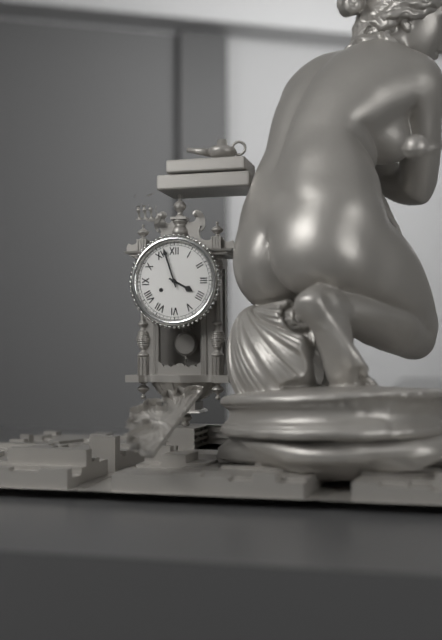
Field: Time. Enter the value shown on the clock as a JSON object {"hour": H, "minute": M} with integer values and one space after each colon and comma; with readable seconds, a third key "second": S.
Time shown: {"hour": 3, "minute": 57}
